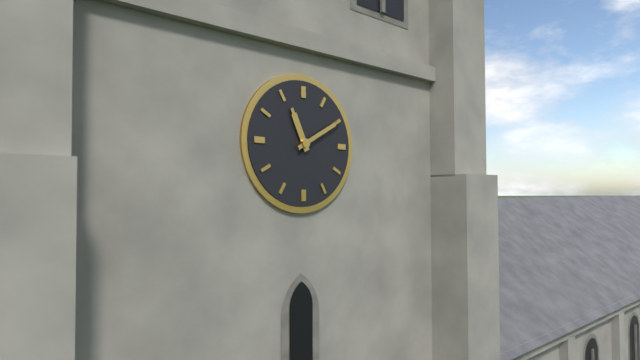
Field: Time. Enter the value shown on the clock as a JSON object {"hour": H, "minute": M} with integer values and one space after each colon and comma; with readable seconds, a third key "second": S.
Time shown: {"hour": 11, "minute": 10}
